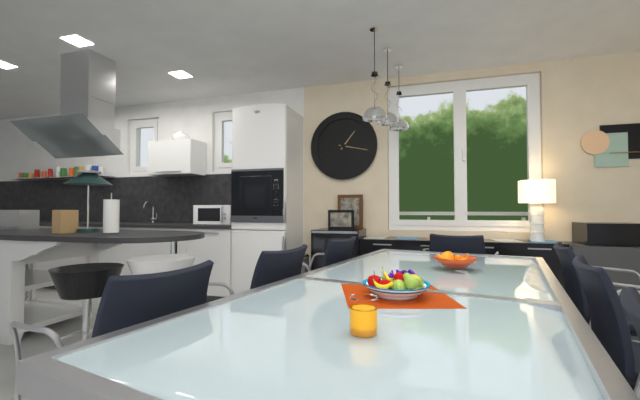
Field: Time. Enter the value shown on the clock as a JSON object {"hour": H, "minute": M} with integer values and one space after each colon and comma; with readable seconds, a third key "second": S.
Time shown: {"hour": 1, "minute": 17}
